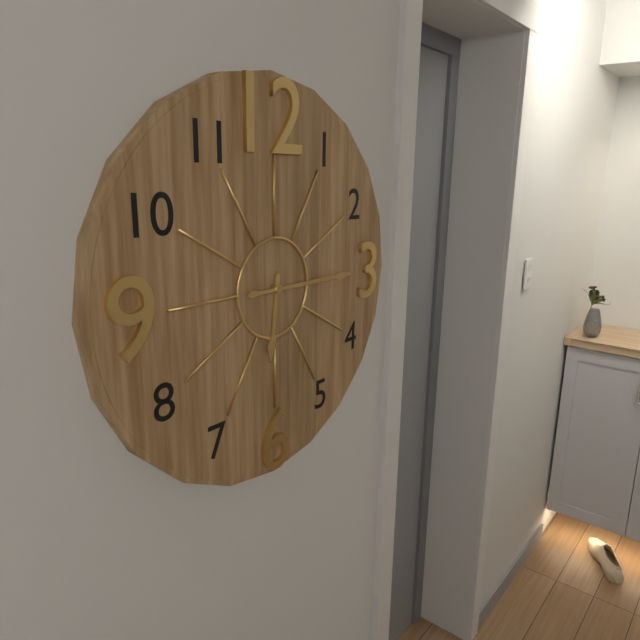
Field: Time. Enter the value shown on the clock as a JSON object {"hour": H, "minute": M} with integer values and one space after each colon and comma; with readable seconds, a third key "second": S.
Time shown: {"hour": 6, "minute": 15}
